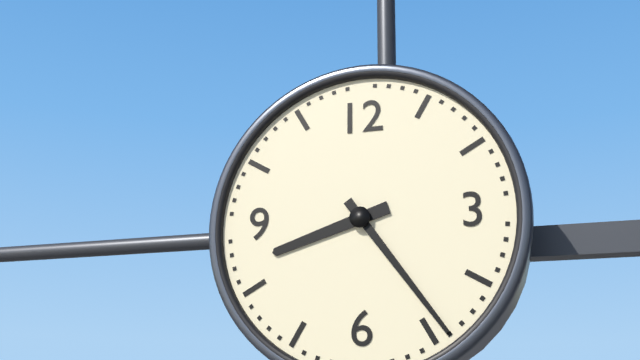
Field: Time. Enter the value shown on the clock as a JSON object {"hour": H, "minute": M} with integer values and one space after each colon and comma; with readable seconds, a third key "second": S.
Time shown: {"hour": 8, "minute": 24}
